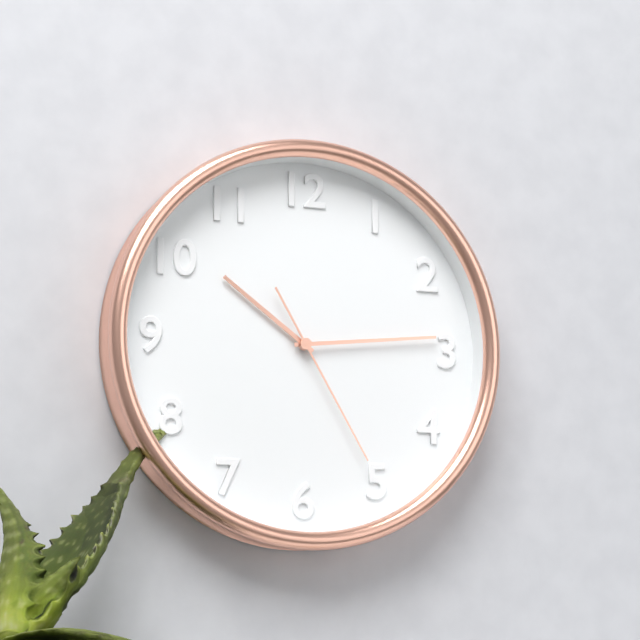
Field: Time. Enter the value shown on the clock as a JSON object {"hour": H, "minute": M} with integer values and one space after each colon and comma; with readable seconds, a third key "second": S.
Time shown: {"hour": 10, "minute": 14, "second": 25}
